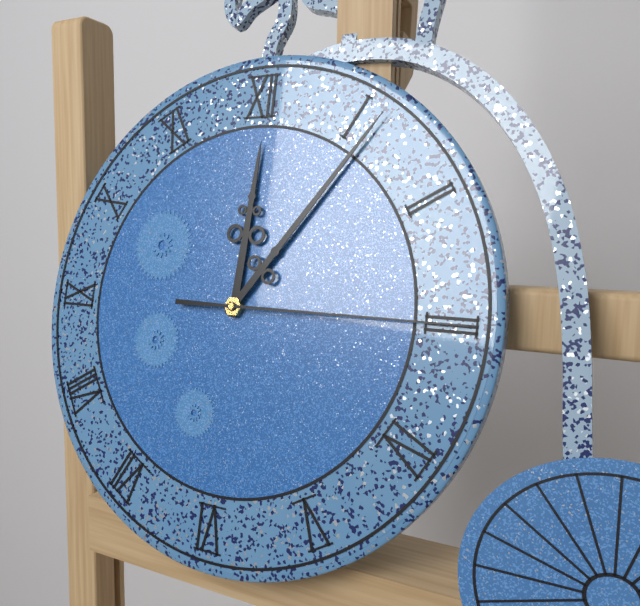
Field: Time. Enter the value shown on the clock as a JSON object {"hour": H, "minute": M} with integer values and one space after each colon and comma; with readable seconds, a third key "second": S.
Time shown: {"hour": 12, "minute": 6, "second": 15}
